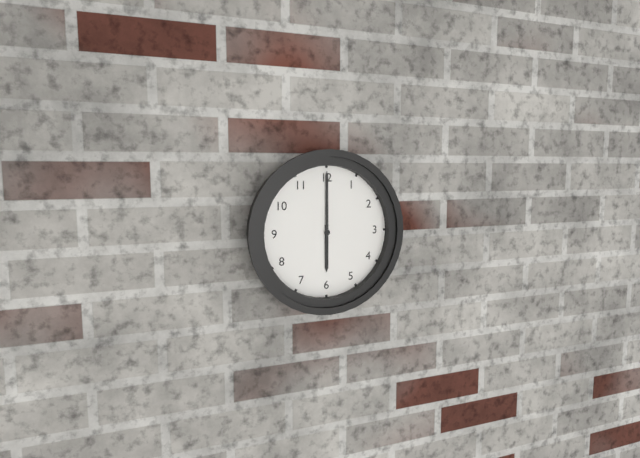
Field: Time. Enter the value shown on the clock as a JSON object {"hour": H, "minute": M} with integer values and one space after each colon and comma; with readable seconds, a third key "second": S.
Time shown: {"hour": 6, "minute": 0}
